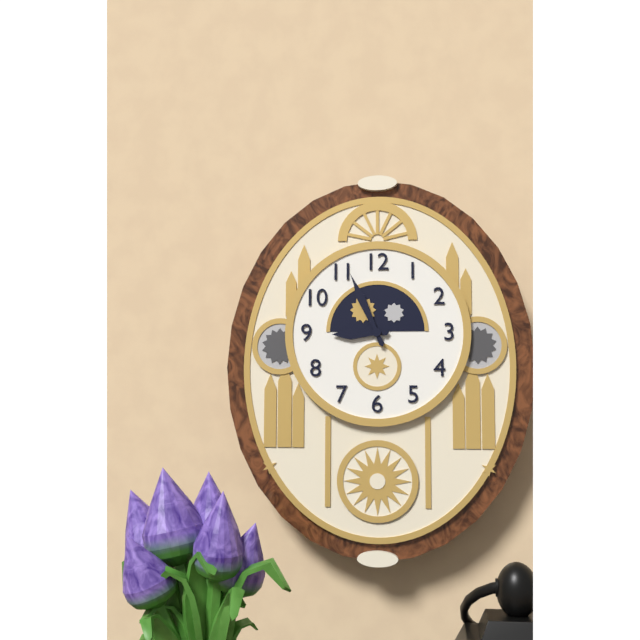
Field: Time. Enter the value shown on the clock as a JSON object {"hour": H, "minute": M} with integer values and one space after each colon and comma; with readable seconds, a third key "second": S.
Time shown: {"hour": 8, "minute": 56}
